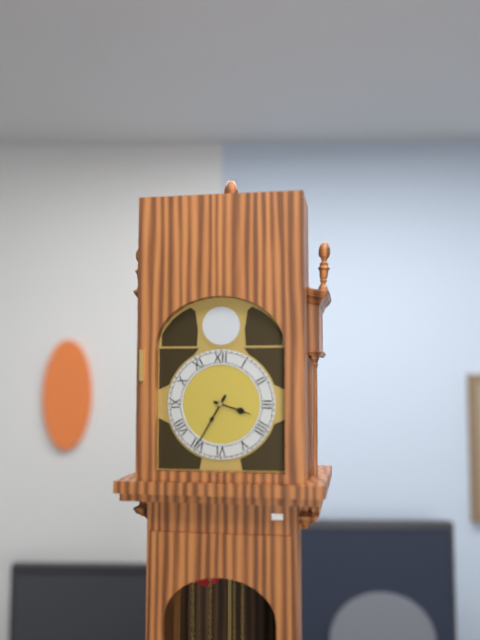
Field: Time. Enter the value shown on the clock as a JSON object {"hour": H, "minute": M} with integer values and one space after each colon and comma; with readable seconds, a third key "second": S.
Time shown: {"hour": 3, "minute": 35}
